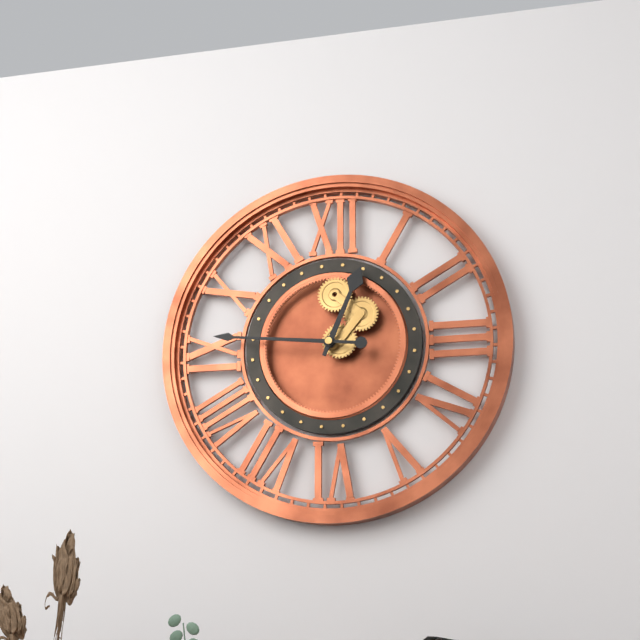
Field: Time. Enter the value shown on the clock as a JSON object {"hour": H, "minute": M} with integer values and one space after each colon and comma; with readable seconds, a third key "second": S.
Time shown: {"hour": 12, "minute": 46}
